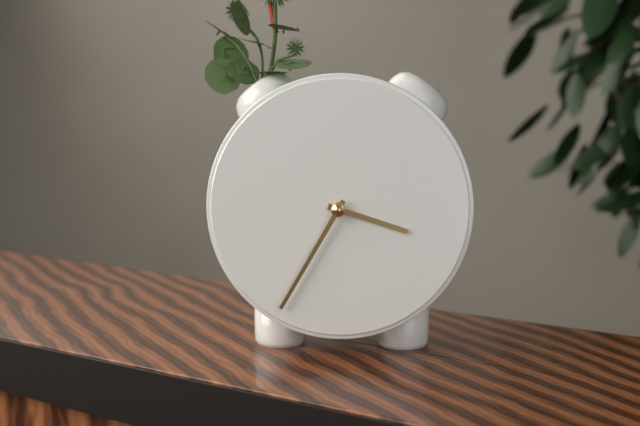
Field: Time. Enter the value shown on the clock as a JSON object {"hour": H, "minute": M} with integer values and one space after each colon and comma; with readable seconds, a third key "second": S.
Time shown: {"hour": 3, "minute": 35}
